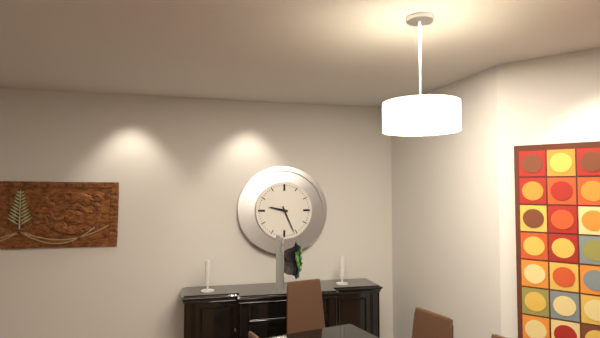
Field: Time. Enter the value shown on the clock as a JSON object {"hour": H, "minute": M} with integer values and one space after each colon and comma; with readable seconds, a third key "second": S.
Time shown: {"hour": 9, "minute": 26}
